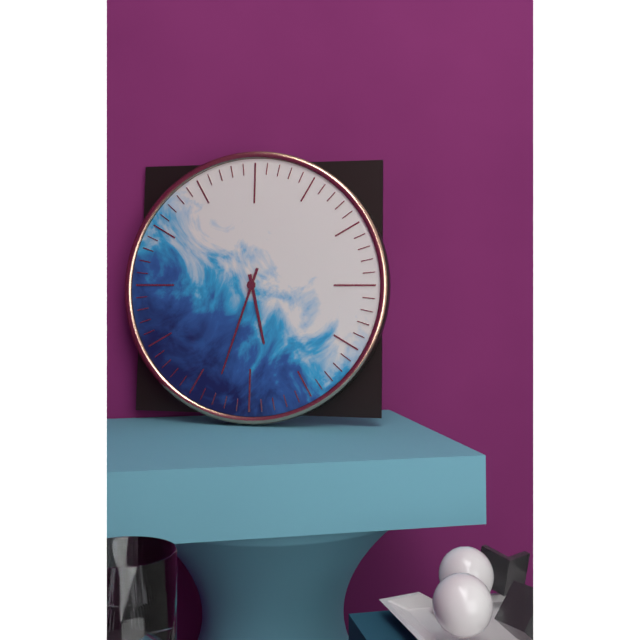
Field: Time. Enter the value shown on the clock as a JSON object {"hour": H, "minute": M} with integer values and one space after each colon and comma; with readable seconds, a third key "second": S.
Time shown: {"hour": 5, "minute": 33}
